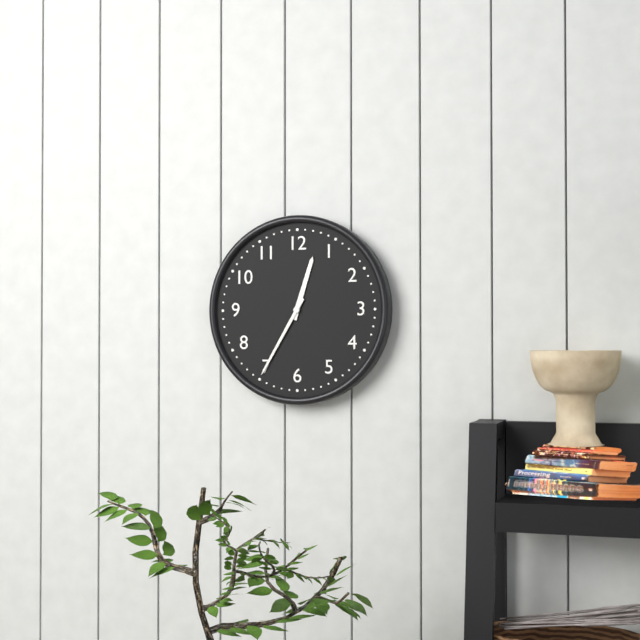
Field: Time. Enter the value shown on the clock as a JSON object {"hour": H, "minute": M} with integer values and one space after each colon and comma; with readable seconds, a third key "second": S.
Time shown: {"hour": 12, "minute": 35}
